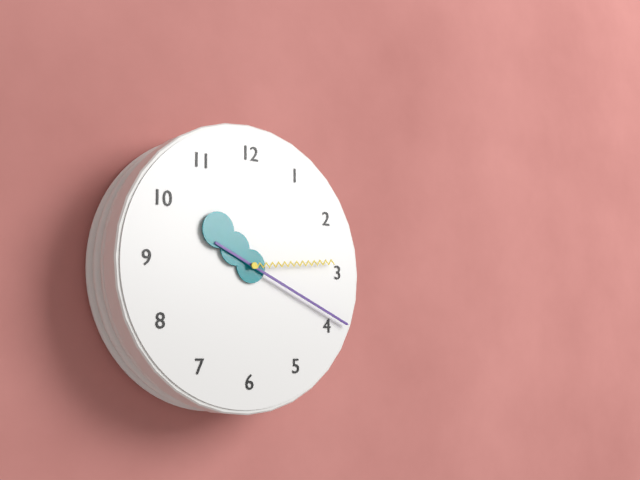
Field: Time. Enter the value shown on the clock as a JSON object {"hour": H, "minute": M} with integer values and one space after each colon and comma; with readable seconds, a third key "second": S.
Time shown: {"hour": 10, "minute": 19, "second": 14}
